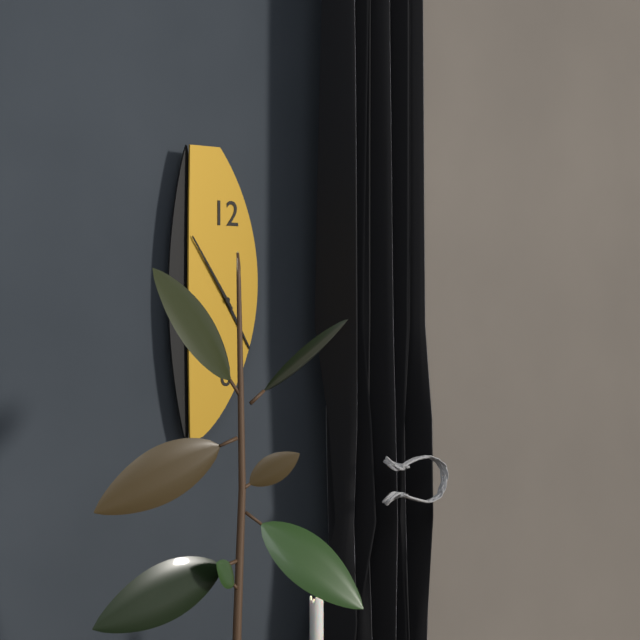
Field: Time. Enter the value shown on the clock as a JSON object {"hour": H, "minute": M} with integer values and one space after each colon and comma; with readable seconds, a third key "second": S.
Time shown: {"hour": 4, "minute": 54}
